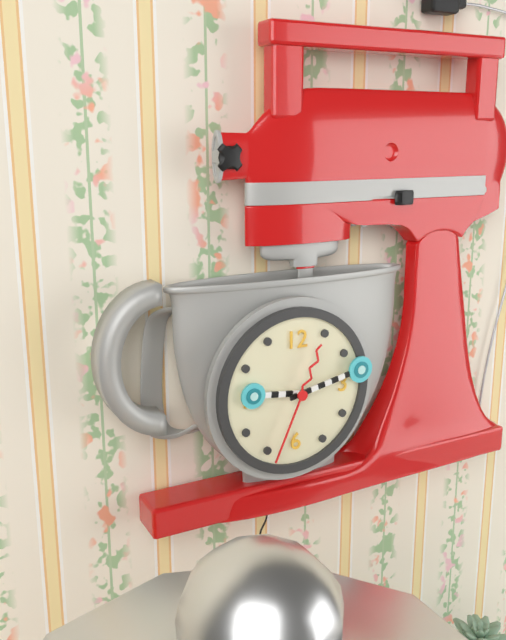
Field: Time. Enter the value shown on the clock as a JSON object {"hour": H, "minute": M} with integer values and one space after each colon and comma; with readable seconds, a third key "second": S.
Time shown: {"hour": 9, "minute": 13, "second": 34}
